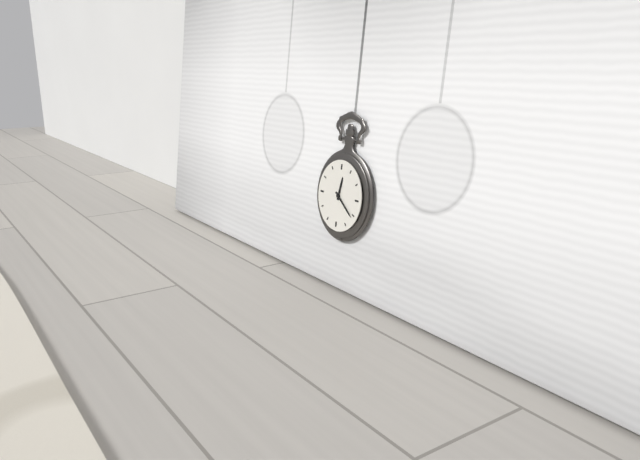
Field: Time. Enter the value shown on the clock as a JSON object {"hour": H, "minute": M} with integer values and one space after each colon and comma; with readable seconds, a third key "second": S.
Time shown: {"hour": 12, "minute": 21}
